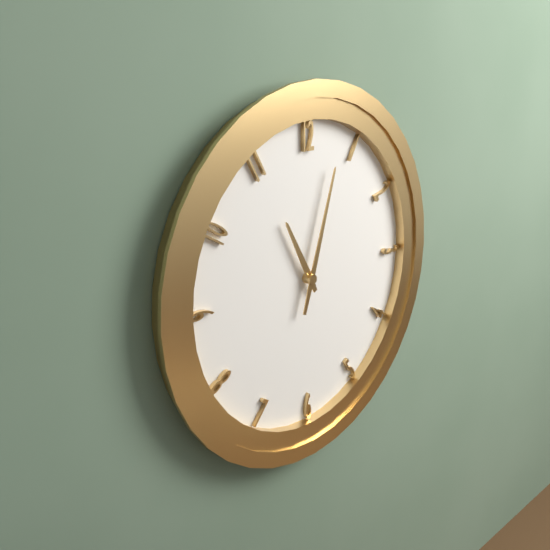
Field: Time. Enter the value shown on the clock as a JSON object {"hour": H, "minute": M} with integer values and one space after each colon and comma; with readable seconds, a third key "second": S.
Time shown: {"hour": 11, "minute": 3}
